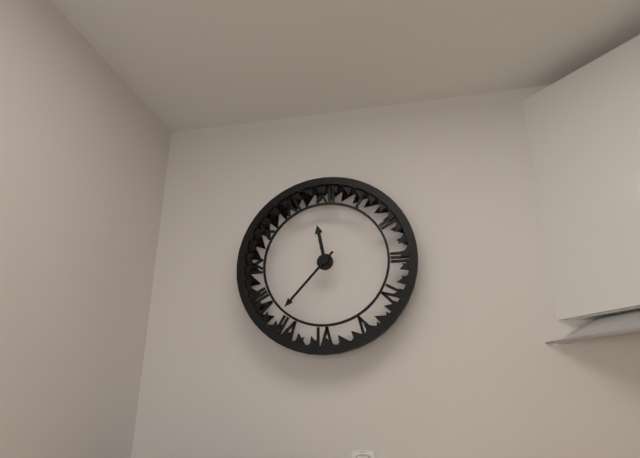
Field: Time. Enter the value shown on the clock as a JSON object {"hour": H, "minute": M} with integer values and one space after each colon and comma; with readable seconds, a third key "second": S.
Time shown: {"hour": 11, "minute": 37}
